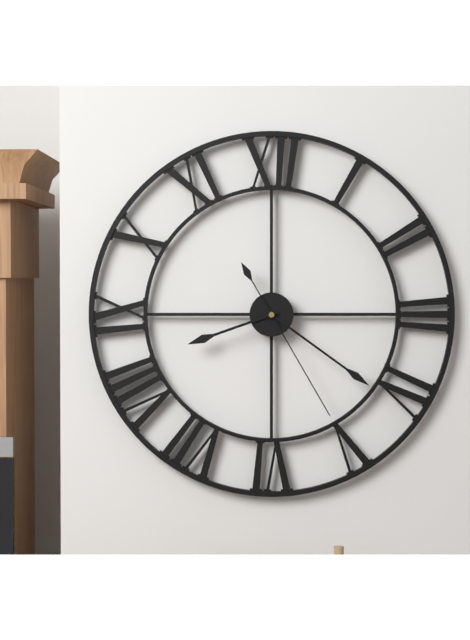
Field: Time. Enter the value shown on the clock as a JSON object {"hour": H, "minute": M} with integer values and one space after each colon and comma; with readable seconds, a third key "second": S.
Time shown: {"hour": 8, "minute": 21, "second": 25}
